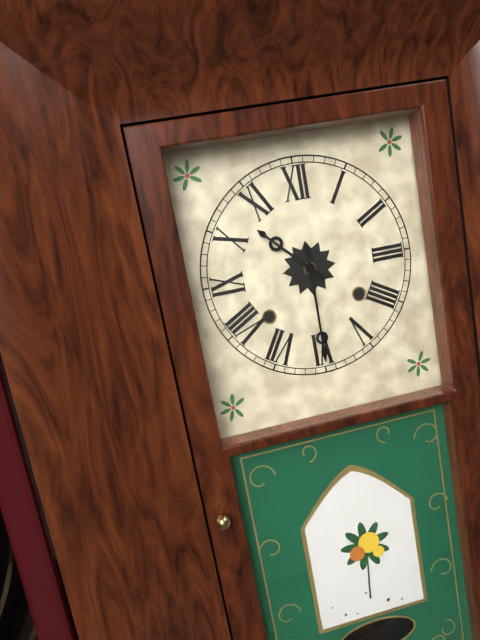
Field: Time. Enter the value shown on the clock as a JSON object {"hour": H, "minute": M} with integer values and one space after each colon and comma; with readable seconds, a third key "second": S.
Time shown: {"hour": 10, "minute": 30}
